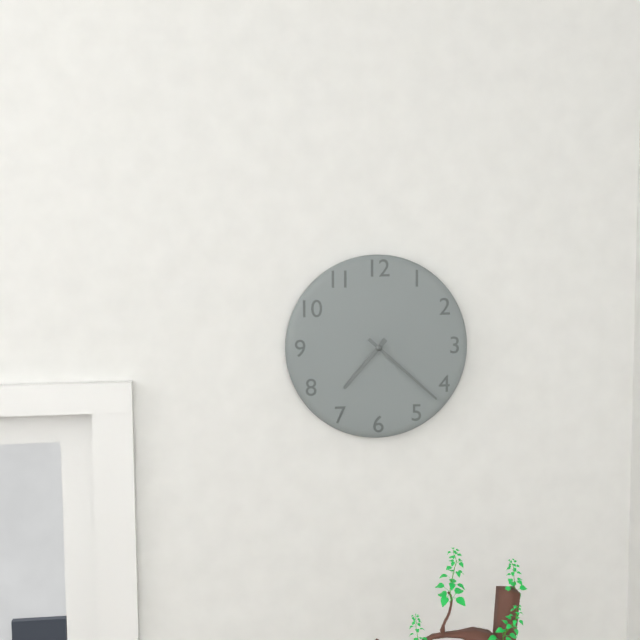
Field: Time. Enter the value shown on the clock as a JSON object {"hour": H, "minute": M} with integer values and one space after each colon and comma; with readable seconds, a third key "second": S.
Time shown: {"hour": 7, "minute": 22}
